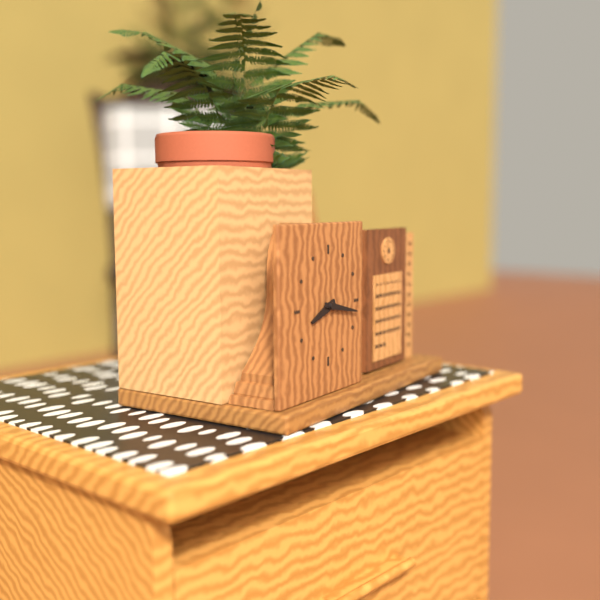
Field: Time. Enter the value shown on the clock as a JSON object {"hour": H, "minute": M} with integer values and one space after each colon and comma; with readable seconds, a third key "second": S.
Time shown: {"hour": 8, "minute": 17}
